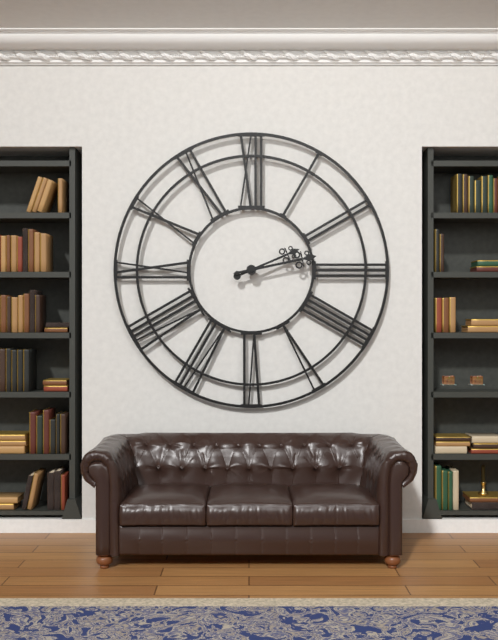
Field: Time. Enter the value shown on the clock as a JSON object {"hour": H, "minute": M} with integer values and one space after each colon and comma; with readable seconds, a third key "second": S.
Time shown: {"hour": 2, "minute": 13}
